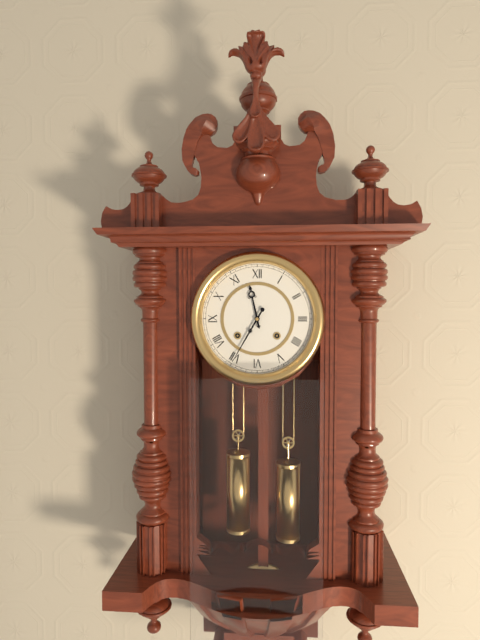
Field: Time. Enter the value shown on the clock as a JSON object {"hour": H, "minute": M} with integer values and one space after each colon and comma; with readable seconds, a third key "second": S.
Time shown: {"hour": 11, "minute": 35}
